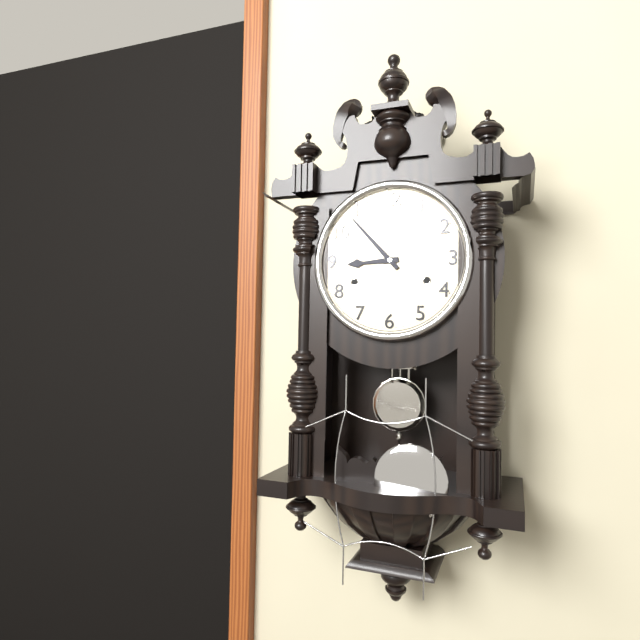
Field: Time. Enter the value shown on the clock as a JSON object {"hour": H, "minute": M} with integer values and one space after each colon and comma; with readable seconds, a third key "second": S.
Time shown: {"hour": 8, "minute": 53}
